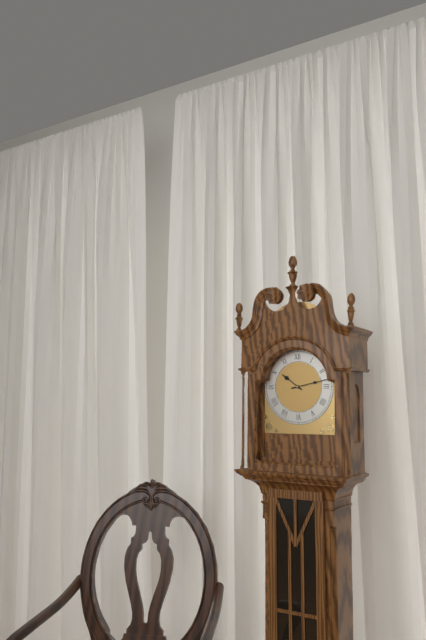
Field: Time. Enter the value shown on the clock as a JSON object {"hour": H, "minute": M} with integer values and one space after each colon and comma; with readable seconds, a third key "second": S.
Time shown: {"hour": 10, "minute": 13}
